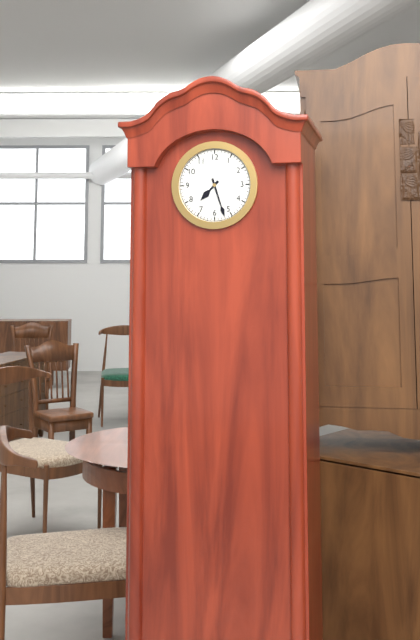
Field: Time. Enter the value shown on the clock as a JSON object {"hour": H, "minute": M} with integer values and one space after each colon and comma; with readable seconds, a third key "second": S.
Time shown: {"hour": 7, "minute": 27}
